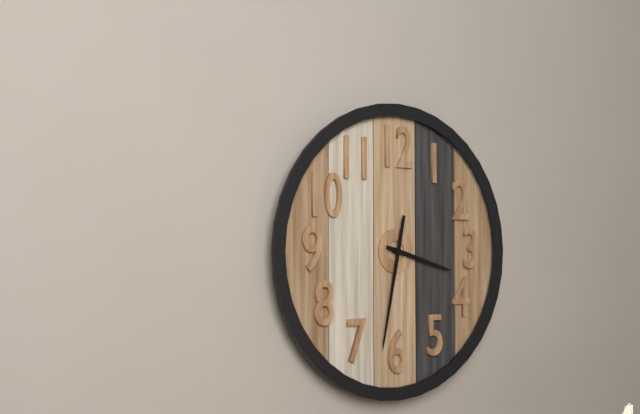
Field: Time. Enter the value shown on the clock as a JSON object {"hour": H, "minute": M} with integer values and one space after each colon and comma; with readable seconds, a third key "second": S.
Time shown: {"hour": 3, "minute": 32}
